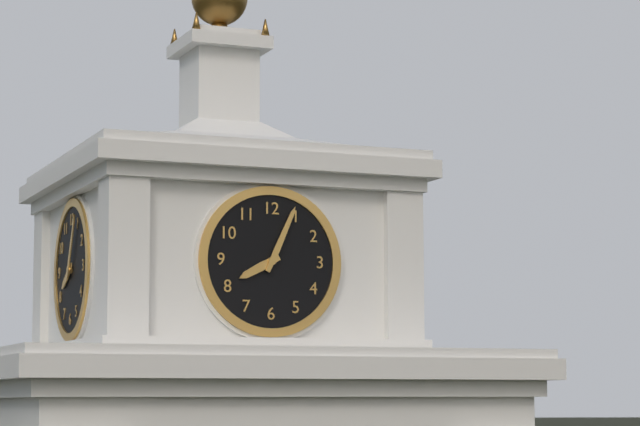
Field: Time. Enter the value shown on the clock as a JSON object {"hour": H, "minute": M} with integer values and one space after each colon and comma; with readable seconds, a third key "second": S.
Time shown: {"hour": 8, "minute": 4}
